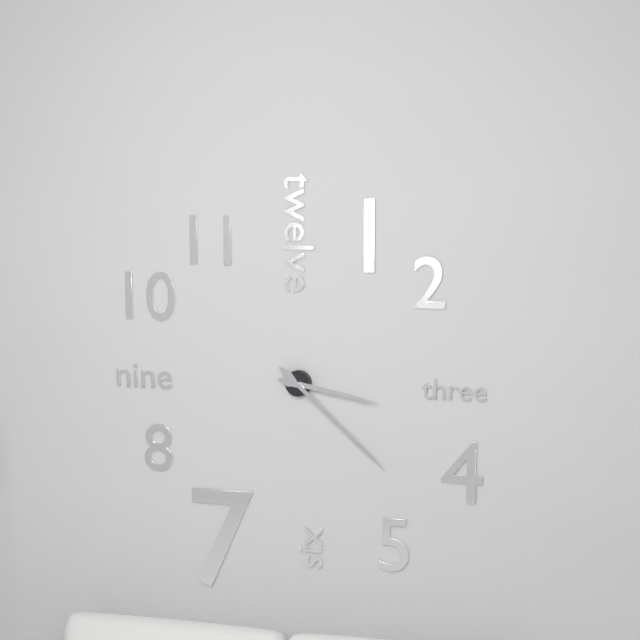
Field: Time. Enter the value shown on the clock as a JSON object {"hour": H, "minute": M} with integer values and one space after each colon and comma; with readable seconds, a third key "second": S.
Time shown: {"hour": 3, "minute": 22}
